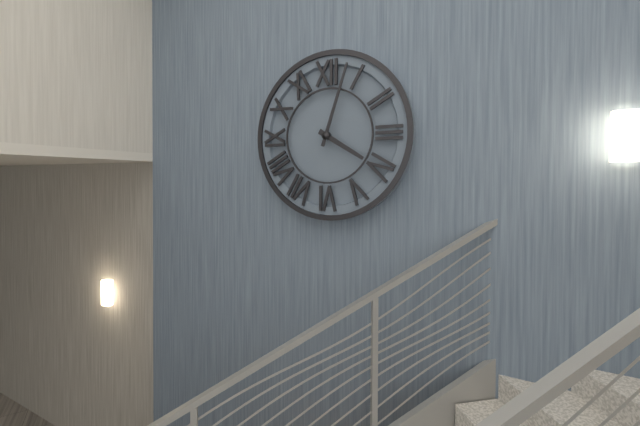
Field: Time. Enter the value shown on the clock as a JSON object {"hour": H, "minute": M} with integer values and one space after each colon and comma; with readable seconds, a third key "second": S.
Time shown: {"hour": 4, "minute": 3}
